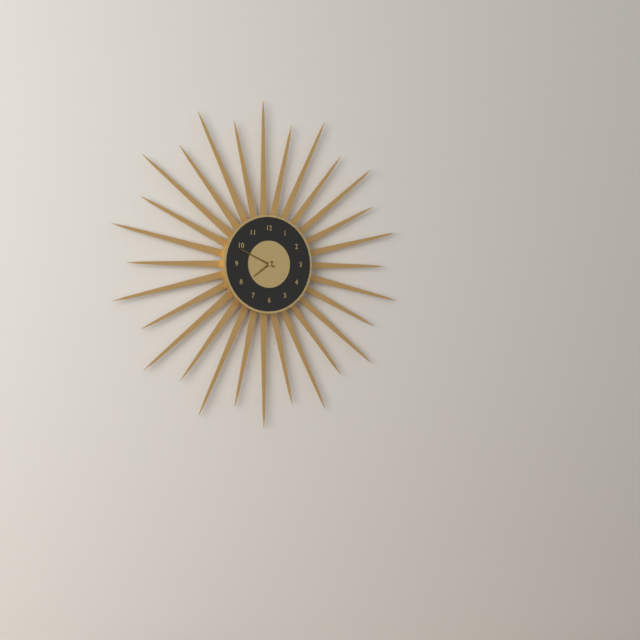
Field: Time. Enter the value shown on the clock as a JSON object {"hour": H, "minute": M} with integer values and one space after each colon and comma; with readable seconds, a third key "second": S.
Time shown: {"hour": 7, "minute": 49}
